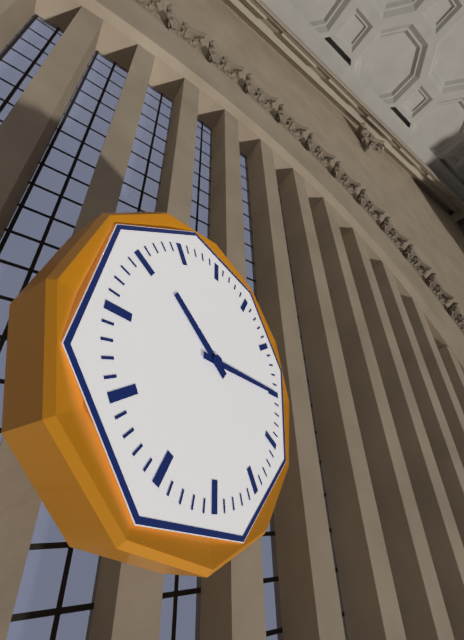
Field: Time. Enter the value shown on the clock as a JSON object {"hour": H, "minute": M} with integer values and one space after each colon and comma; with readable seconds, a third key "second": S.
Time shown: {"hour": 10, "minute": 15}
